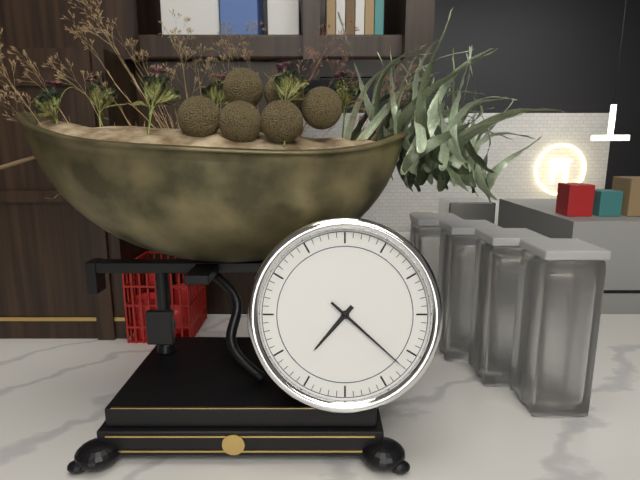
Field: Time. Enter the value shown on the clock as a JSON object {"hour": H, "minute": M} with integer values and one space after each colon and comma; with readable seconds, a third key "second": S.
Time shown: {"hour": 7, "minute": 22}
